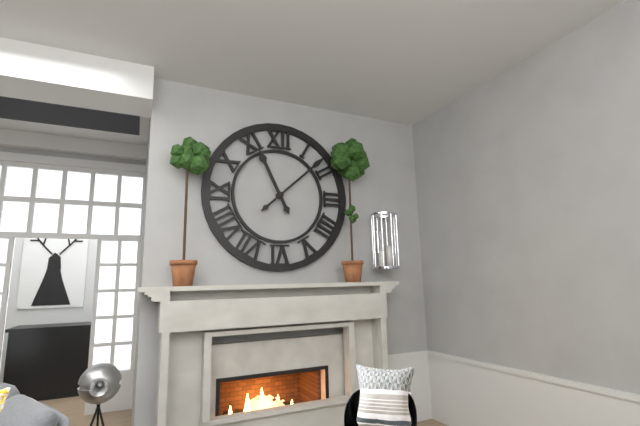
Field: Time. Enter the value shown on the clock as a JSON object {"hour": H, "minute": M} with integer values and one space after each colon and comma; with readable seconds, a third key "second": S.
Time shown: {"hour": 11, "minute": 8}
